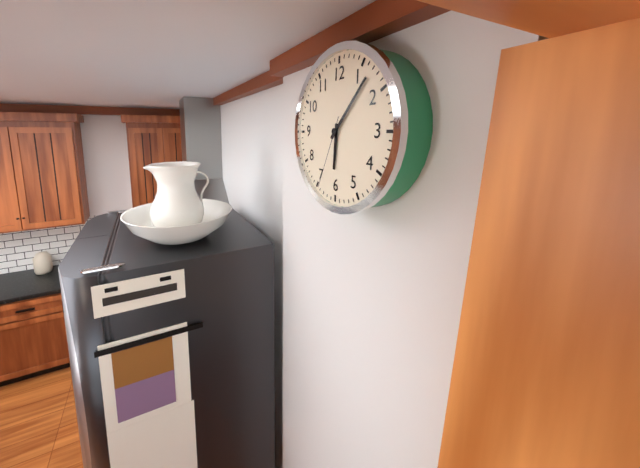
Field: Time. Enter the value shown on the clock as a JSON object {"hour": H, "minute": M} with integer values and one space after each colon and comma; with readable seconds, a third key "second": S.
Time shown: {"hour": 6, "minute": 7, "second": 34}
